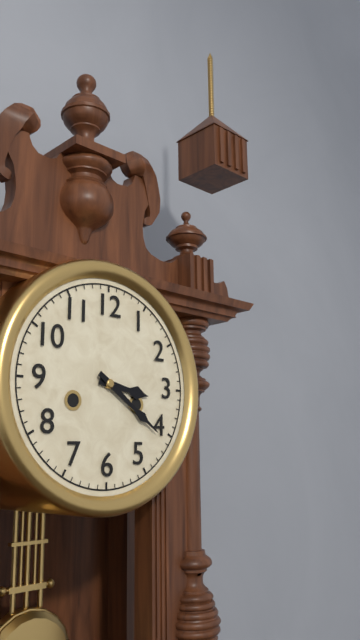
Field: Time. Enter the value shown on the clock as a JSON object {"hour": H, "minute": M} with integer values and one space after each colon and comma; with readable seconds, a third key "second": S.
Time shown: {"hour": 3, "minute": 21}
